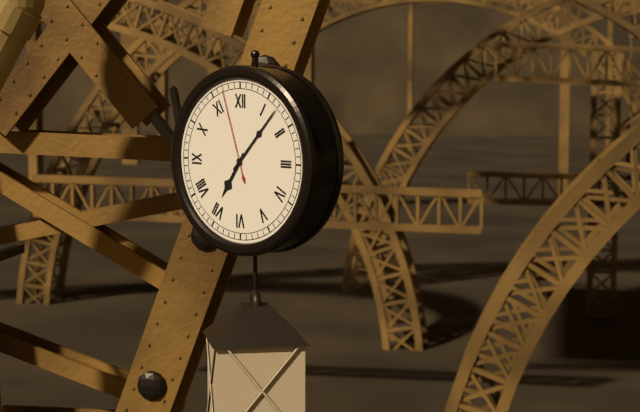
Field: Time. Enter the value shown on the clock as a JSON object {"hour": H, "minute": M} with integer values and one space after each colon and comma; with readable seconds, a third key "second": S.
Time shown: {"hour": 7, "minute": 7, "second": 57}
